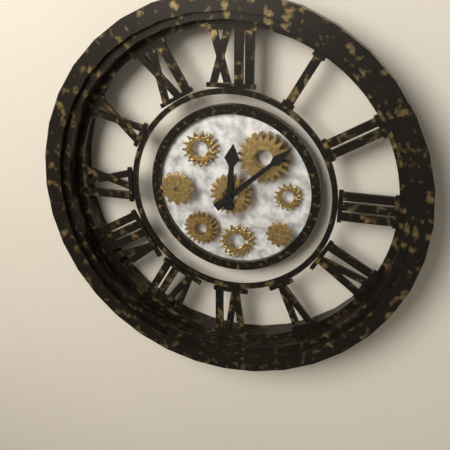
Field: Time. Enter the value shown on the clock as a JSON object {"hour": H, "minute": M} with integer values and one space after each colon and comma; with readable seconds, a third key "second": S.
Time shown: {"hour": 12, "minute": 8}
